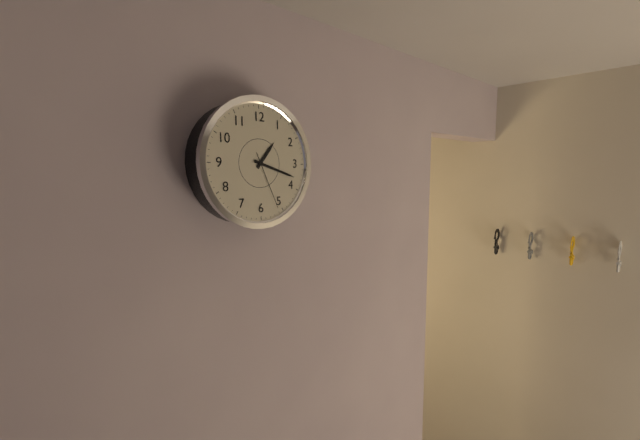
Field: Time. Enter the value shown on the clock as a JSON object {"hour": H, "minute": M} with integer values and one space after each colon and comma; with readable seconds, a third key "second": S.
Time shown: {"hour": 1, "minute": 18, "second": 26}
